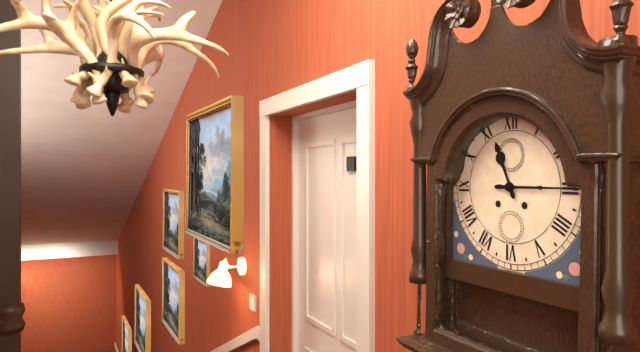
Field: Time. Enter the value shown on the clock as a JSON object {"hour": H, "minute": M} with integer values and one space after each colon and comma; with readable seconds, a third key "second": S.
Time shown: {"hour": 11, "minute": 15}
